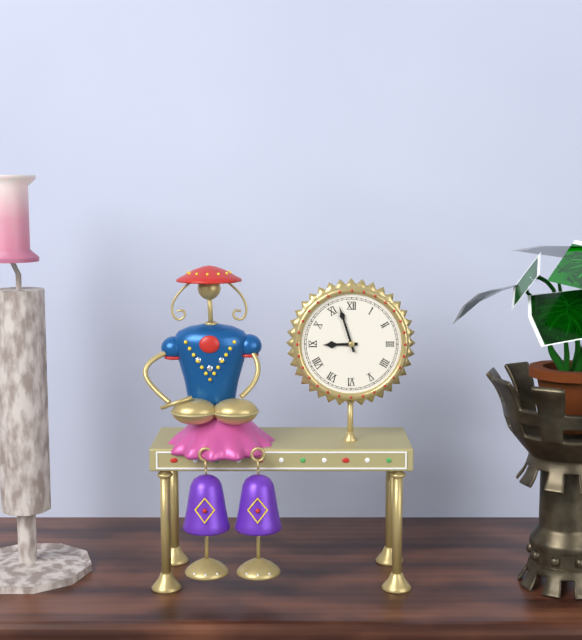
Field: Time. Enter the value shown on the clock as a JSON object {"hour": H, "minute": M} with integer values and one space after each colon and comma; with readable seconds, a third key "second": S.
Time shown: {"hour": 8, "minute": 57}
